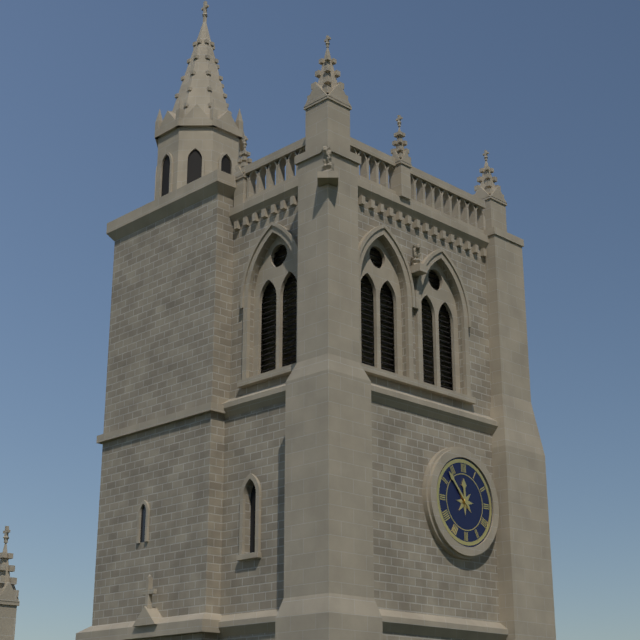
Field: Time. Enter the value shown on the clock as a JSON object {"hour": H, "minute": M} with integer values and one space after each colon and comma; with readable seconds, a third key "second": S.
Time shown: {"hour": 11, "minute": 53}
